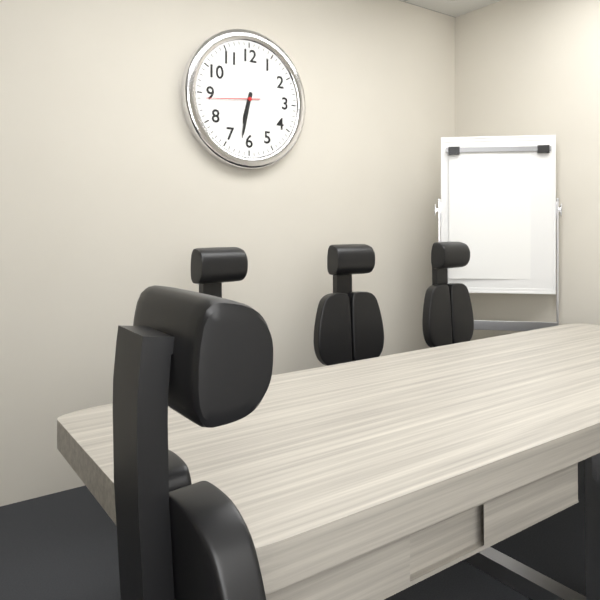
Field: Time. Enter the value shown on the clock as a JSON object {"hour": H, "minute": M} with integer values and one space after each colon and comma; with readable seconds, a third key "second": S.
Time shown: {"hour": 6, "minute": 32, "second": 44}
